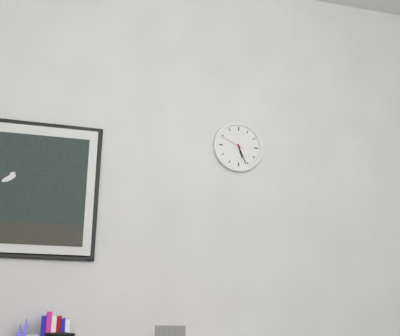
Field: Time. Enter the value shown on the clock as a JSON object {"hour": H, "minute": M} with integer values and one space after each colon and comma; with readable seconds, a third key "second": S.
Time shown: {"hour": 5, "minute": 26}
